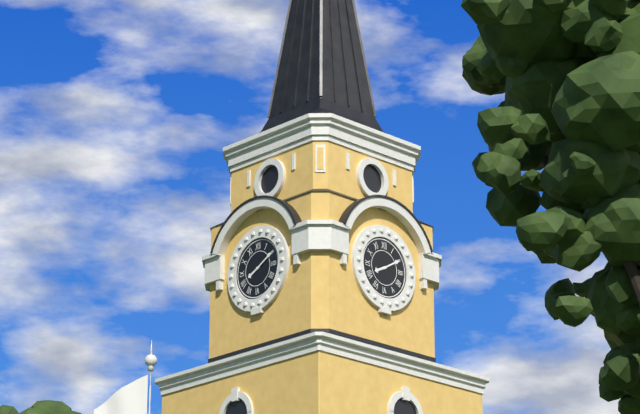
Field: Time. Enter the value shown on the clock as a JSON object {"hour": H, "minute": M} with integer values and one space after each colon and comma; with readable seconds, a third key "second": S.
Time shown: {"hour": 8, "minute": 10}
